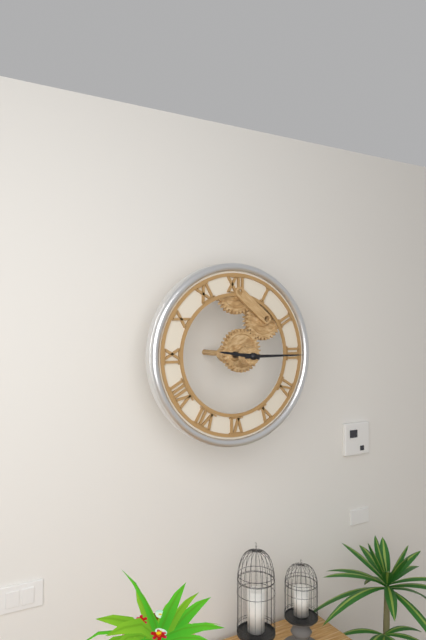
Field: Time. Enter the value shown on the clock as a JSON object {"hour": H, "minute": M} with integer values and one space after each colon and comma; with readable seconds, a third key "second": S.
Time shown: {"hour": 9, "minute": 15}
